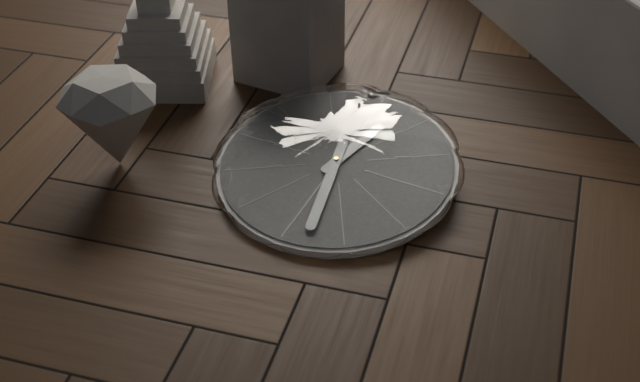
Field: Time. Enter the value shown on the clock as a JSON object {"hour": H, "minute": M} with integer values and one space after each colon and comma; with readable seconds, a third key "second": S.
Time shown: {"hour": 12, "minute": 28}
